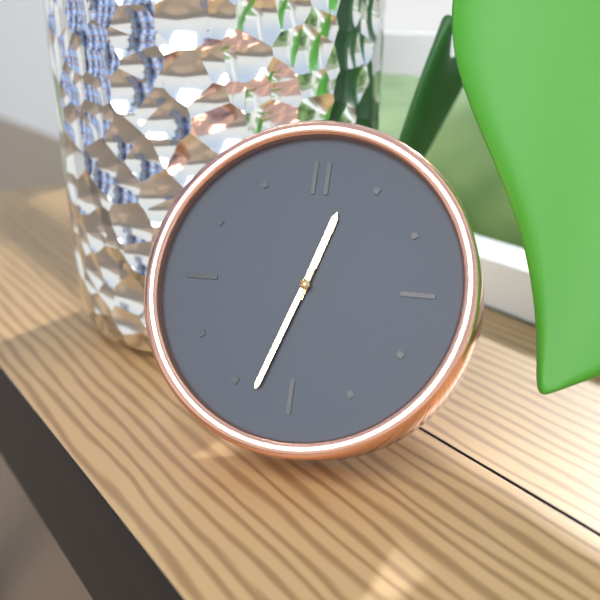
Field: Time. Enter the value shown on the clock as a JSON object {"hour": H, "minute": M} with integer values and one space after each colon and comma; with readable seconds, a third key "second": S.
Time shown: {"hour": 12, "minute": 33}
